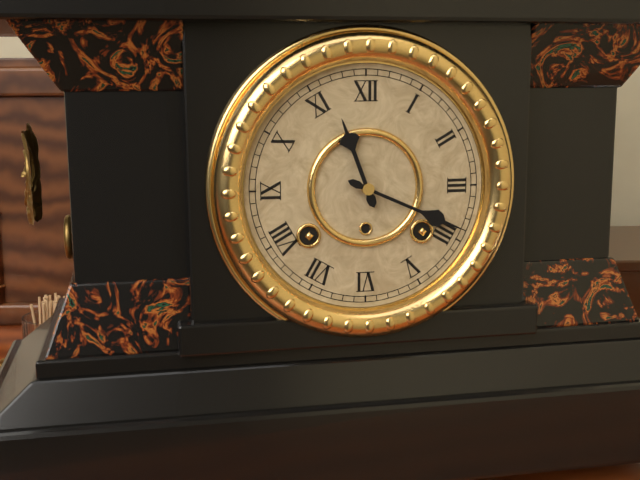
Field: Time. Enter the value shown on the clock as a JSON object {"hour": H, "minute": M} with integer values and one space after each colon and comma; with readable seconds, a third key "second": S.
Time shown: {"hour": 11, "minute": 19}
